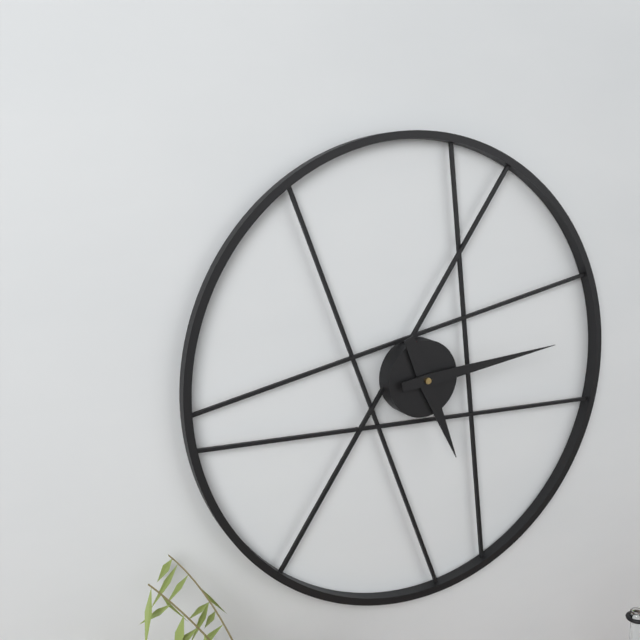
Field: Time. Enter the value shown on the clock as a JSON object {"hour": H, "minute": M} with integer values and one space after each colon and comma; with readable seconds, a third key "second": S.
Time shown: {"hour": 5, "minute": 14}
